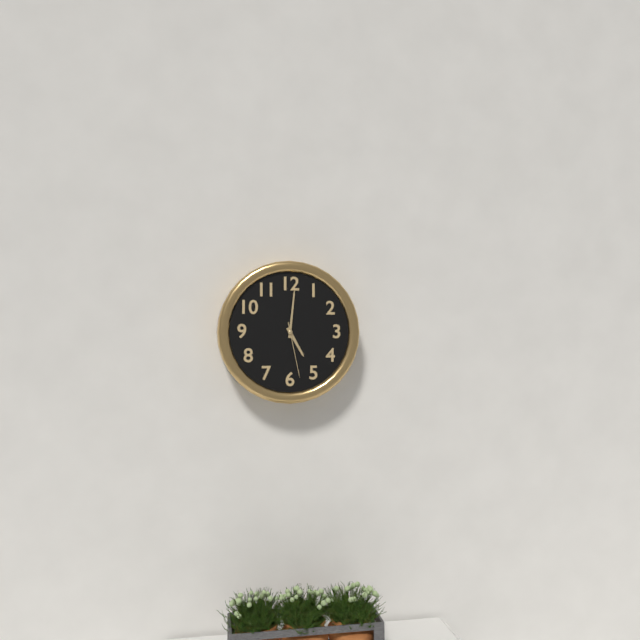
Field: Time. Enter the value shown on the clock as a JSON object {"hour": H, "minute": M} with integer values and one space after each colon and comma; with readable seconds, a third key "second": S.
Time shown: {"hour": 5, "minute": 1, "second": 28}
